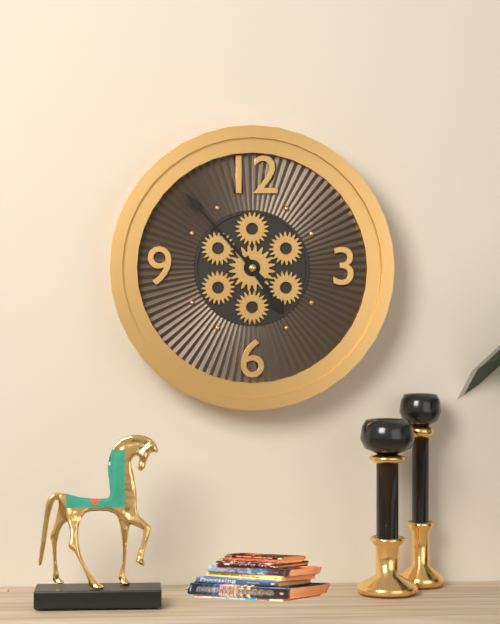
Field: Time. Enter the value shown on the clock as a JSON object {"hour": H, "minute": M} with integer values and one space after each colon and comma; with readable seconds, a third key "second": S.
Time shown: {"hour": 4, "minute": 53}
